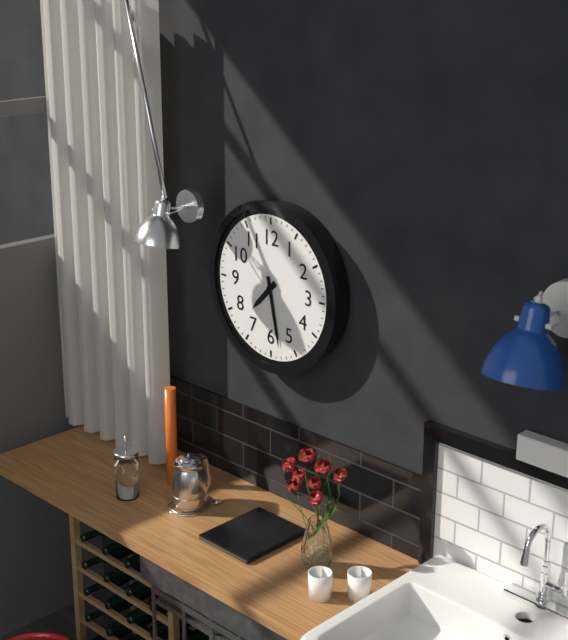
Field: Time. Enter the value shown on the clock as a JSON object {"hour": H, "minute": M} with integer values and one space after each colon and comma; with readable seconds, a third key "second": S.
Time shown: {"hour": 7, "minute": 28}
